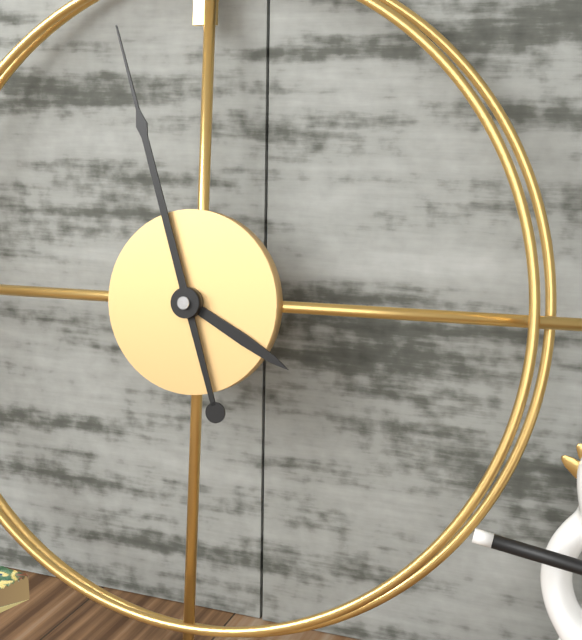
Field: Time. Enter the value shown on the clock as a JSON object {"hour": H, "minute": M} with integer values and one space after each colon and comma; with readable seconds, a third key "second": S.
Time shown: {"hour": 3, "minute": 57}
